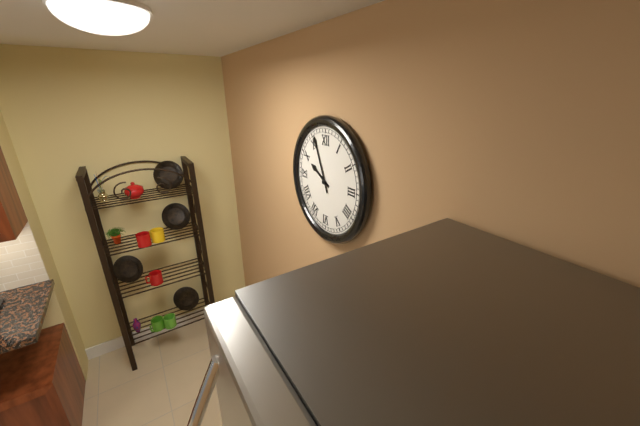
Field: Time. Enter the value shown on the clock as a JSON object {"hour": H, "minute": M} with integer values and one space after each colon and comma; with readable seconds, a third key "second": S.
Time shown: {"hour": 9, "minute": 56}
